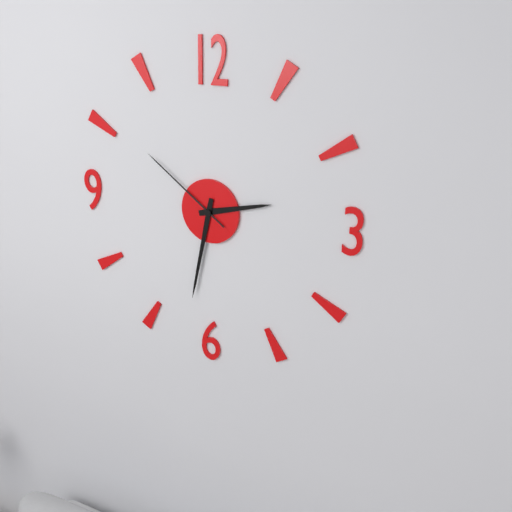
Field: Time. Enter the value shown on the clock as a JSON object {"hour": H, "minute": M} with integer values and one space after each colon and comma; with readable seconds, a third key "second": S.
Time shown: {"hour": 2, "minute": 32, "second": 51}
